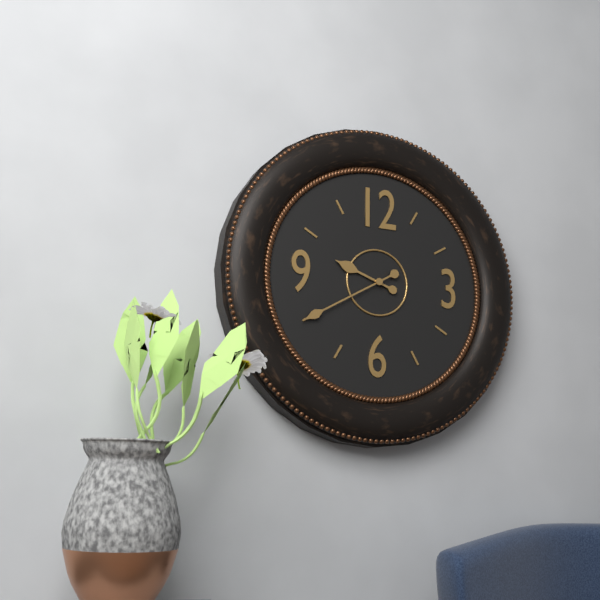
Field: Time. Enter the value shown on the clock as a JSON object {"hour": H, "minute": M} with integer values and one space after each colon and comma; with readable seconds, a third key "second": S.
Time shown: {"hour": 9, "minute": 40}
